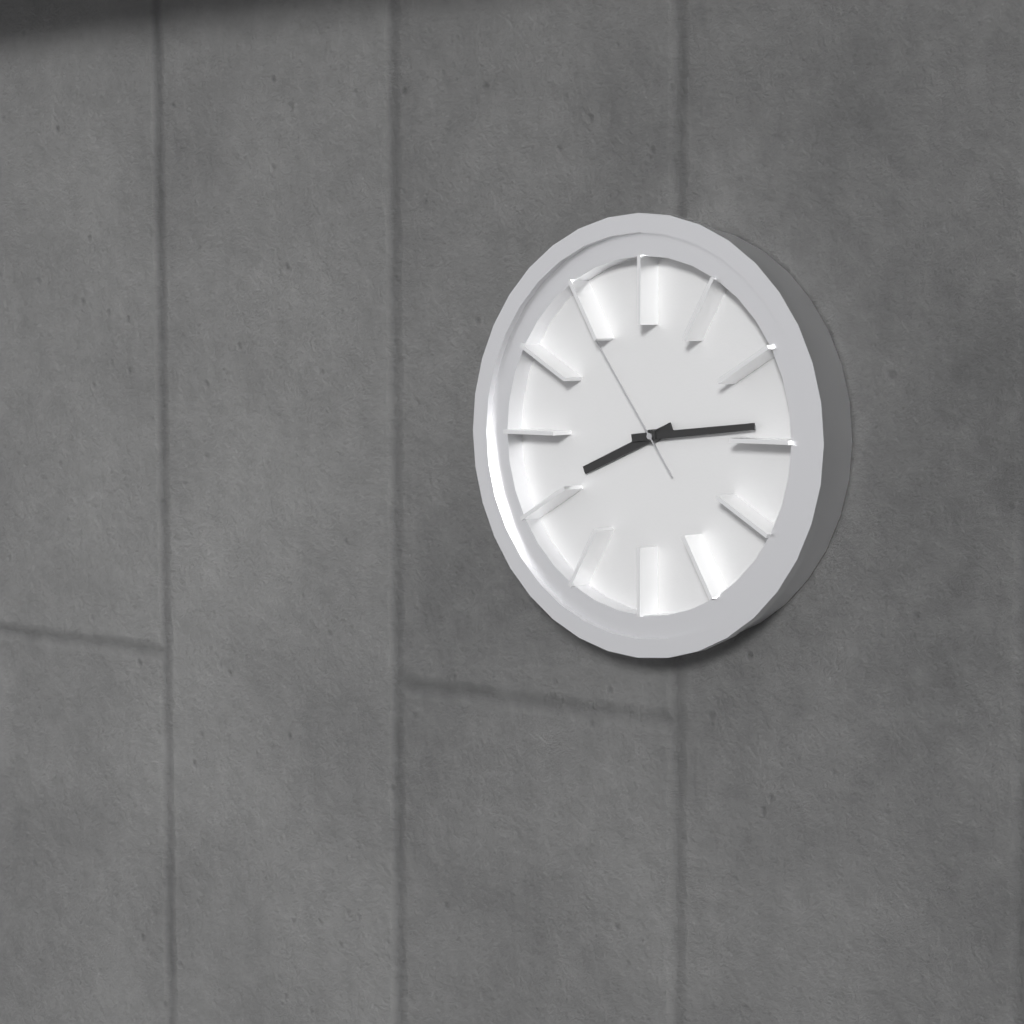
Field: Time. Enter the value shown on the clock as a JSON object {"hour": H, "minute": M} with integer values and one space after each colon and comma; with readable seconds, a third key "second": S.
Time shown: {"hour": 8, "minute": 14, "second": 54}
